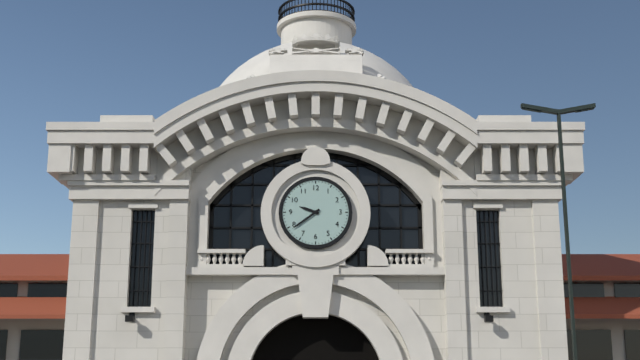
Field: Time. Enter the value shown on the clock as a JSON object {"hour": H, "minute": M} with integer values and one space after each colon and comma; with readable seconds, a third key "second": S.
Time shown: {"hour": 9, "minute": 39}
